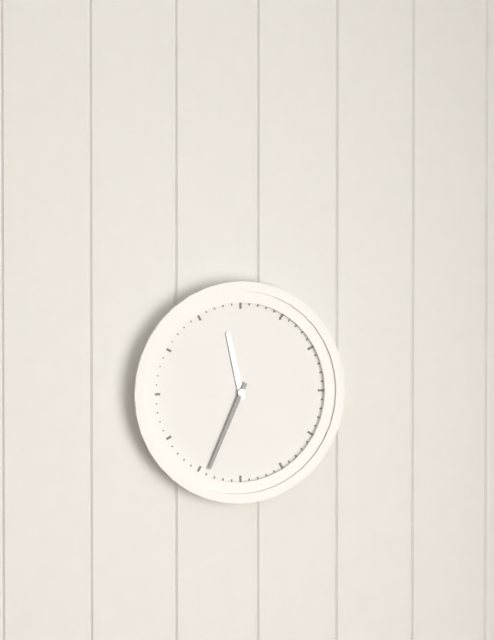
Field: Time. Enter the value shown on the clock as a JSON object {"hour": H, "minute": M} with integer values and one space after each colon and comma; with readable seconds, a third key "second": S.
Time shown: {"hour": 11, "minute": 34}
